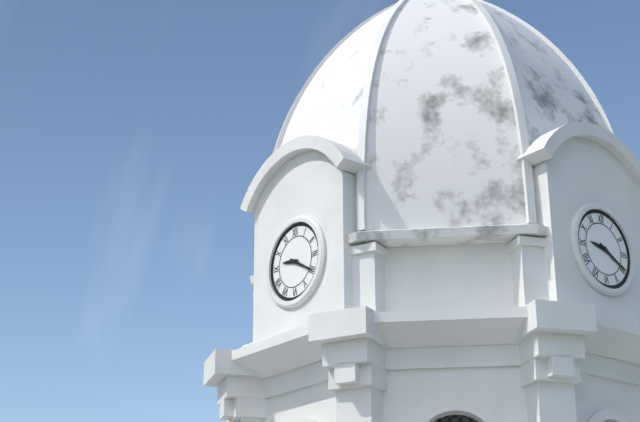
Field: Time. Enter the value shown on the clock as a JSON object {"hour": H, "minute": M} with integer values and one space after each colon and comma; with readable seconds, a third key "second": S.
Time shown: {"hour": 9, "minute": 20}
